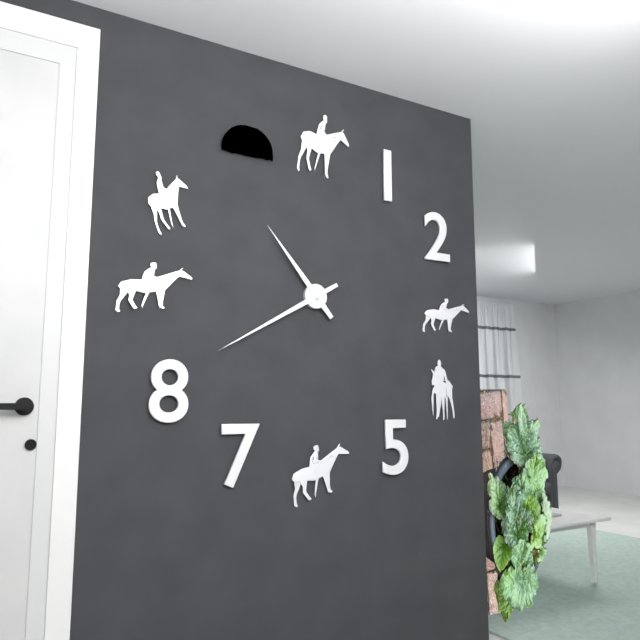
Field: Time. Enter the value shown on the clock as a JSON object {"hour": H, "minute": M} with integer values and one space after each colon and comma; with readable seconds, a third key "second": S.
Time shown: {"hour": 10, "minute": 40}
